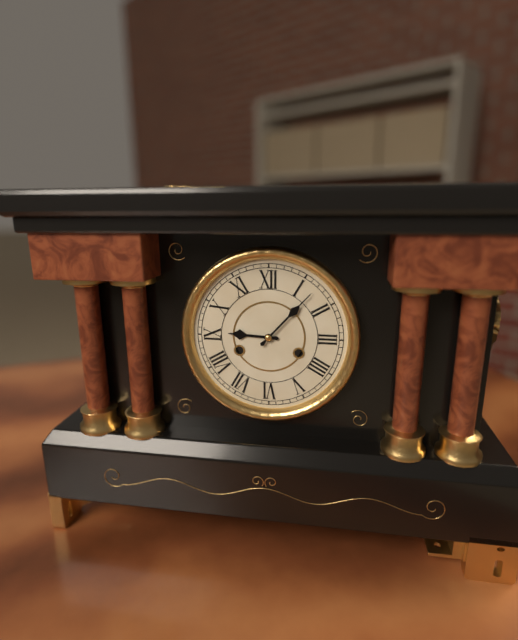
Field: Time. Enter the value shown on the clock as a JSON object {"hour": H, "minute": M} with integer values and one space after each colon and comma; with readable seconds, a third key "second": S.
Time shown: {"hour": 9, "minute": 7}
